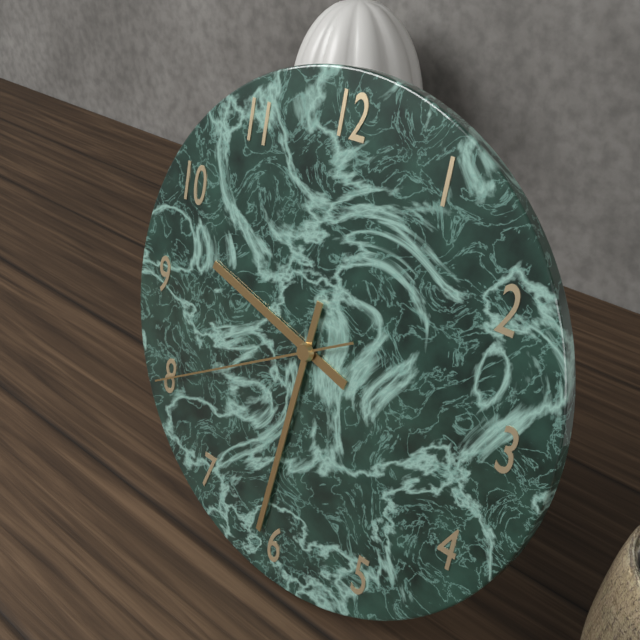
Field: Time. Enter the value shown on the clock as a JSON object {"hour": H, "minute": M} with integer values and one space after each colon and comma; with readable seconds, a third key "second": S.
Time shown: {"hour": 9, "minute": 31, "second": 40}
